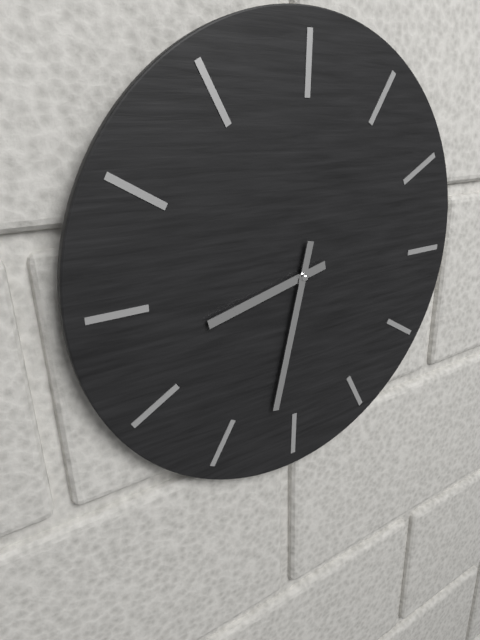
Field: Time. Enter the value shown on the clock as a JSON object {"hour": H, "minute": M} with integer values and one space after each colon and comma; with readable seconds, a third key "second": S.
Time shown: {"hour": 8, "minute": 32}
